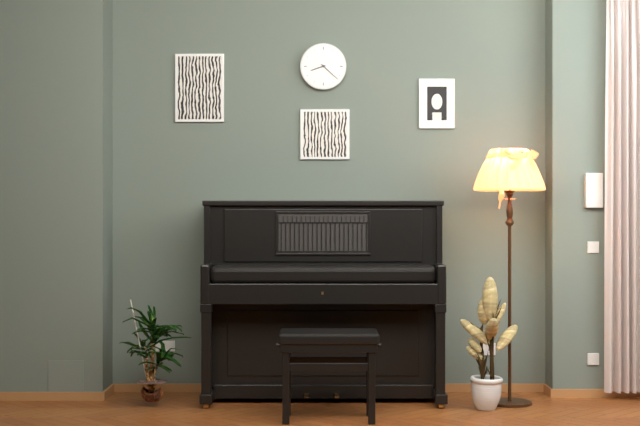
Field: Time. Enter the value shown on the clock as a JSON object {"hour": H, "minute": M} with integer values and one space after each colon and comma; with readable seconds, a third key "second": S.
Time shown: {"hour": 8, "minute": 22}
